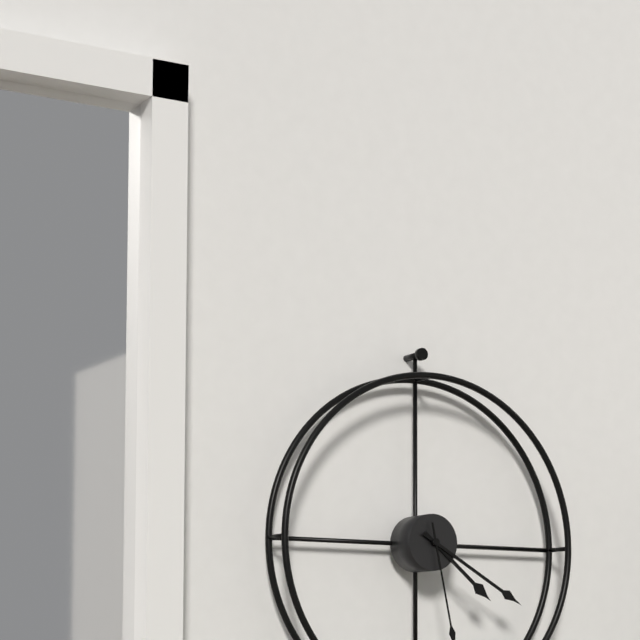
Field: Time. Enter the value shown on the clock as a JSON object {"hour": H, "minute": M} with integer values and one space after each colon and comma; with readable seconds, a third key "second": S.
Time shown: {"hour": 4, "minute": 20}
